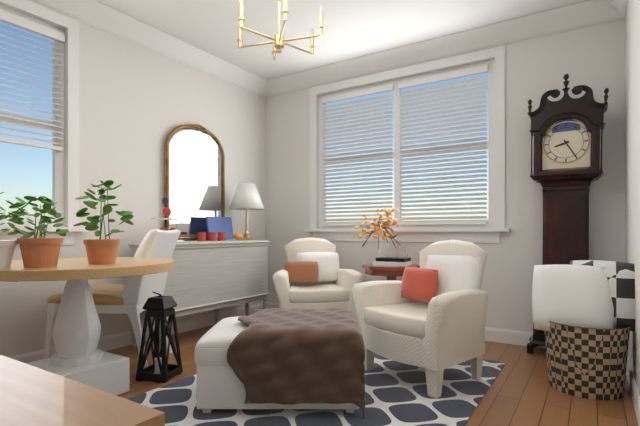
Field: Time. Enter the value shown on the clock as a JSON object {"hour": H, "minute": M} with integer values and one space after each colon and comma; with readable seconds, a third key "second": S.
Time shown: {"hour": 8, "minute": 25}
